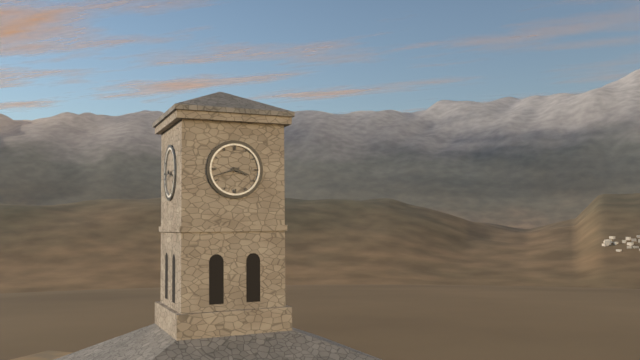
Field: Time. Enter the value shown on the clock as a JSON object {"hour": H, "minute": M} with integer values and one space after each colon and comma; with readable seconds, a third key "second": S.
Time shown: {"hour": 3, "minute": 42}
